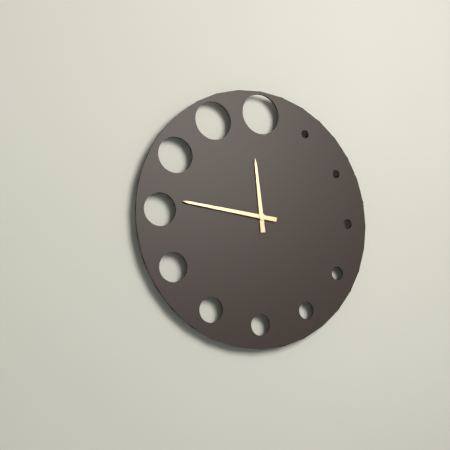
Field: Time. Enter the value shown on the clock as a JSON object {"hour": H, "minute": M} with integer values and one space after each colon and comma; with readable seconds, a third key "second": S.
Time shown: {"hour": 11, "minute": 46}
